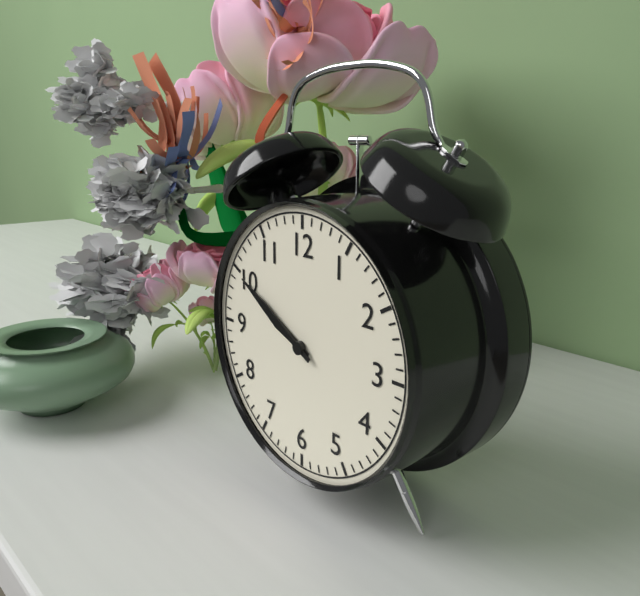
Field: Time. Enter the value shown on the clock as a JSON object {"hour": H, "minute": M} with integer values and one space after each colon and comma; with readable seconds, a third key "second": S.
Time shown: {"hour": 9, "minute": 50}
